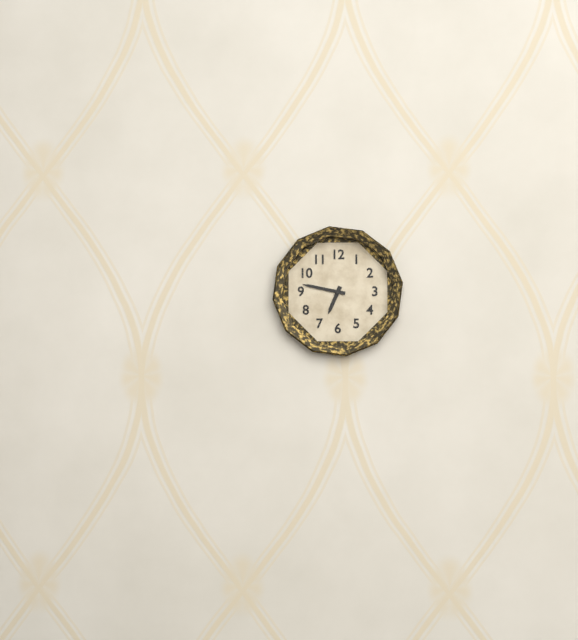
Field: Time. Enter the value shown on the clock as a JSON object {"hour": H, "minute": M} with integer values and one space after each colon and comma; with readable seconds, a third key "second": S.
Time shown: {"hour": 6, "minute": 47}
